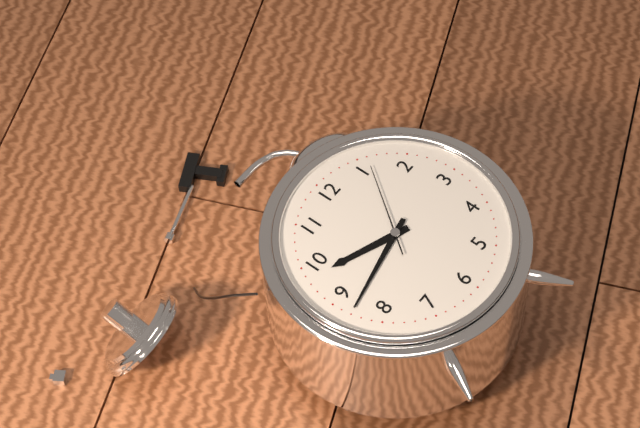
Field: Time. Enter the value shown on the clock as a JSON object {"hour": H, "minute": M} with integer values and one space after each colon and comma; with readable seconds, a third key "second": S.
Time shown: {"hour": 9, "minute": 43, "second": 6}
